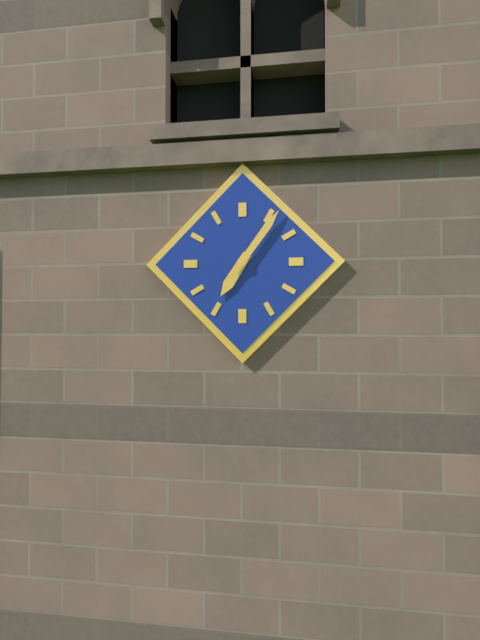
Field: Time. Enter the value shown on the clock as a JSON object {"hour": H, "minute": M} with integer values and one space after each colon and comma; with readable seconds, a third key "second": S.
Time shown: {"hour": 7, "minute": 6}
